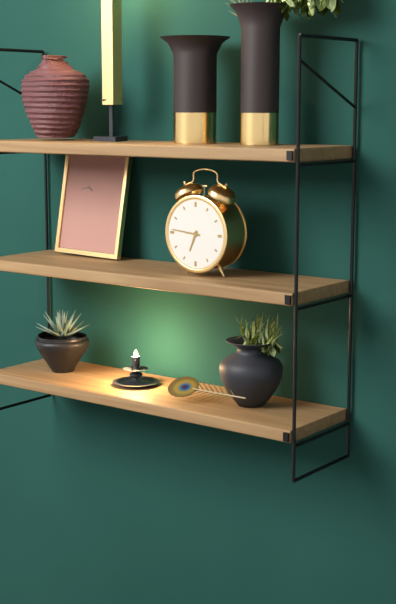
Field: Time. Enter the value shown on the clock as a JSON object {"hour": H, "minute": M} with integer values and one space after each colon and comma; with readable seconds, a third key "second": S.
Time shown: {"hour": 6, "minute": 46}
